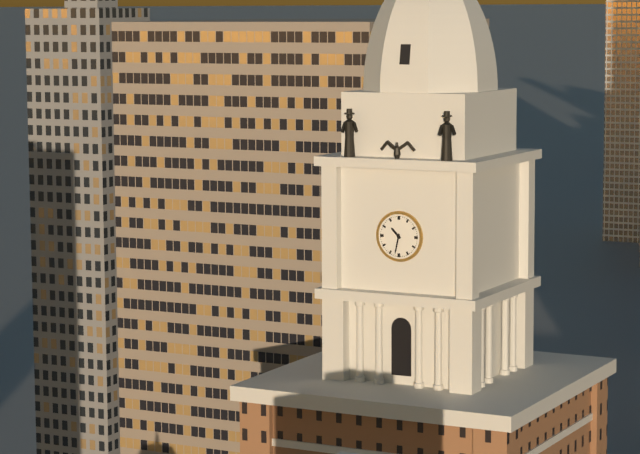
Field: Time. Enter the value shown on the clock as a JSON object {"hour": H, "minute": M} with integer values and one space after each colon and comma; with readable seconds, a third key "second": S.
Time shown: {"hour": 10, "minute": 32}
